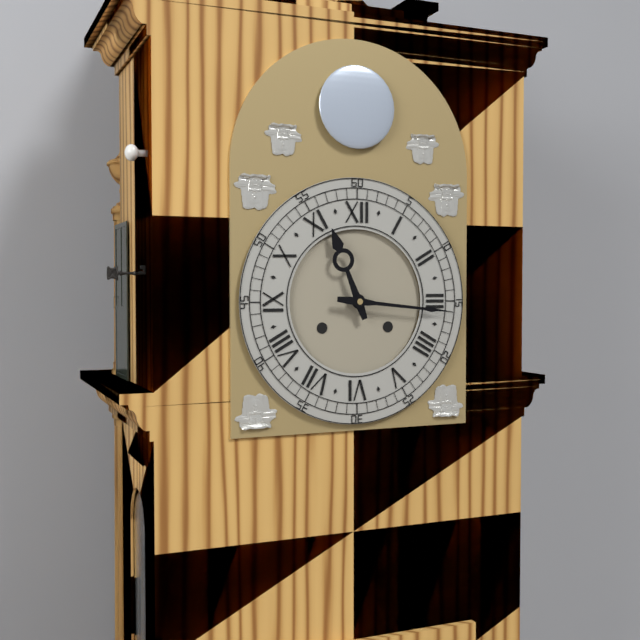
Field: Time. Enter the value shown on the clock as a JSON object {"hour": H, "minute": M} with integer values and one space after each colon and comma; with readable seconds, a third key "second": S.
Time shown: {"hour": 11, "minute": 16}
